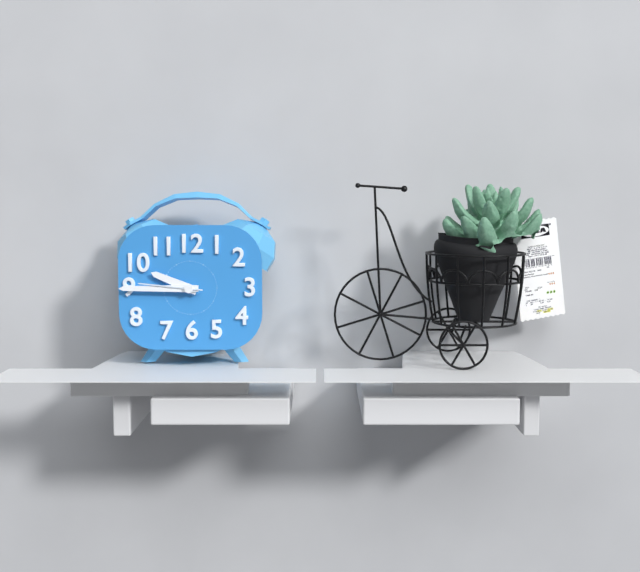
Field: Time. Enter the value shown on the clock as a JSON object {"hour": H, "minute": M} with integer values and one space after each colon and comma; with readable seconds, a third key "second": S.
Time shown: {"hour": 9, "minute": 45, "second": 46}
